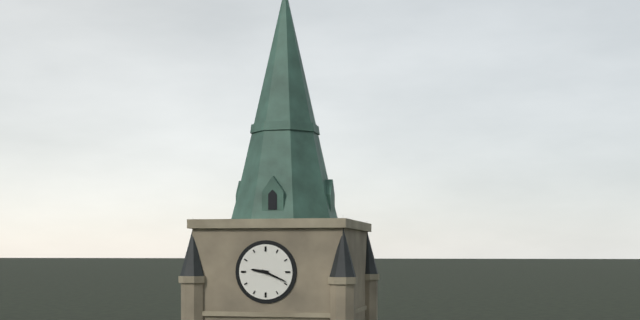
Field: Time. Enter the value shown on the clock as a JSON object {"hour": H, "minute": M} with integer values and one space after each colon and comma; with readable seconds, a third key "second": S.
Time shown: {"hour": 9, "minute": 19}
